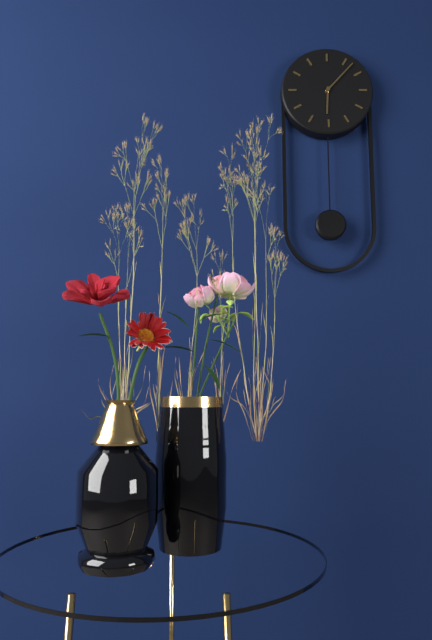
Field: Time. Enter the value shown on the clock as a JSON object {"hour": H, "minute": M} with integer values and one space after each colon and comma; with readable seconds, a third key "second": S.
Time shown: {"hour": 6, "minute": 7}
